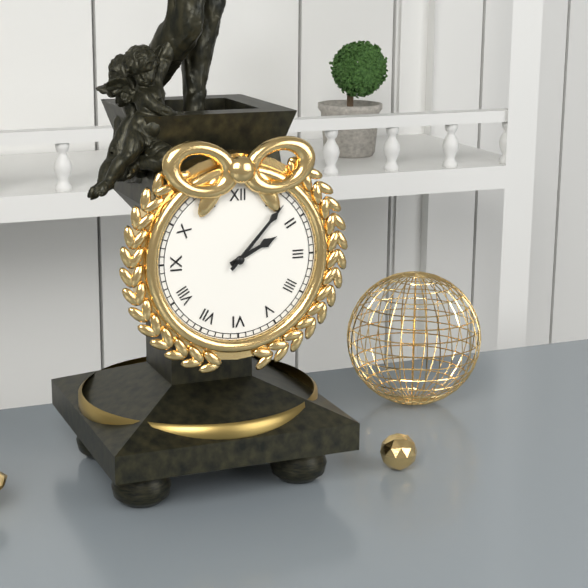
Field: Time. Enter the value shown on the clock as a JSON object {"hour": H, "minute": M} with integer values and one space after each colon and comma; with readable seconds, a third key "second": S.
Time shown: {"hour": 2, "minute": 7}
